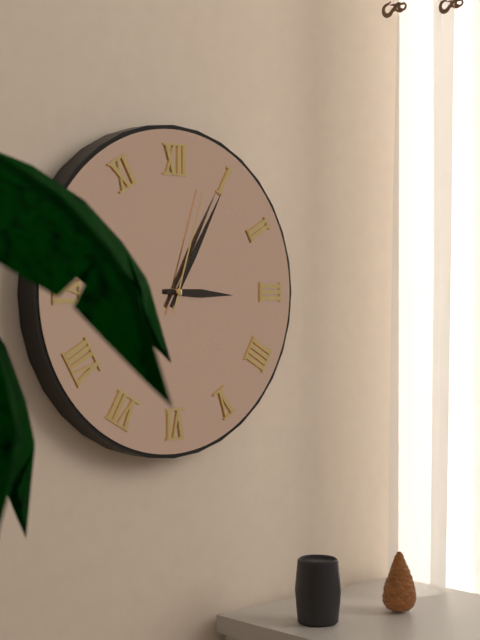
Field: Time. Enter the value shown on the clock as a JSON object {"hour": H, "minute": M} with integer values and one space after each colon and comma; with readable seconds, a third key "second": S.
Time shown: {"hour": 3, "minute": 5, "second": 3}
